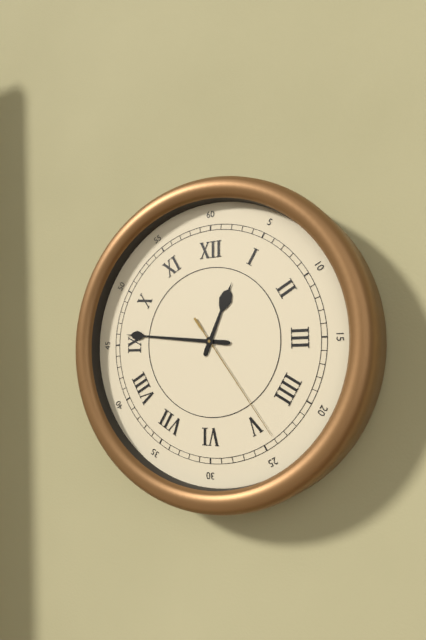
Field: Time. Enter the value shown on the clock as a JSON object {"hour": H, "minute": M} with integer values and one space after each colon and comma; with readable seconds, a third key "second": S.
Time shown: {"hour": 12, "minute": 46, "second": 24}
